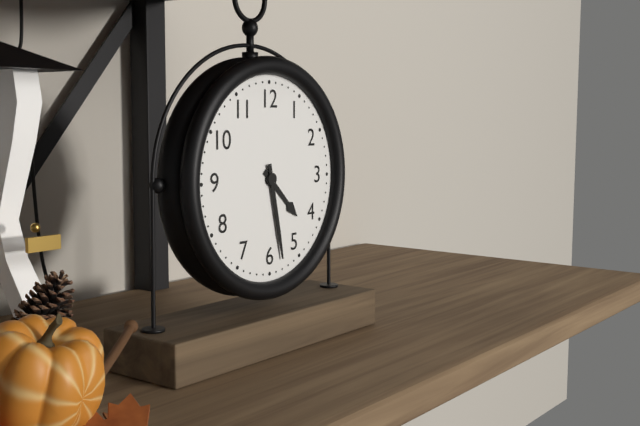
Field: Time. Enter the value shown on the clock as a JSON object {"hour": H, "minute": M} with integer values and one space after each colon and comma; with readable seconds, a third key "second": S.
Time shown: {"hour": 4, "minute": 28}
